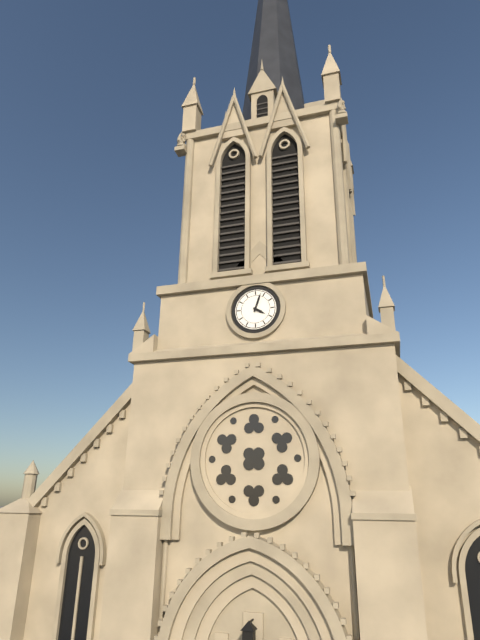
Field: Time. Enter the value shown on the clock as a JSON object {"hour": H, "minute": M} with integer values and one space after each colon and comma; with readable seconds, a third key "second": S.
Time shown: {"hour": 4, "minute": 3}
